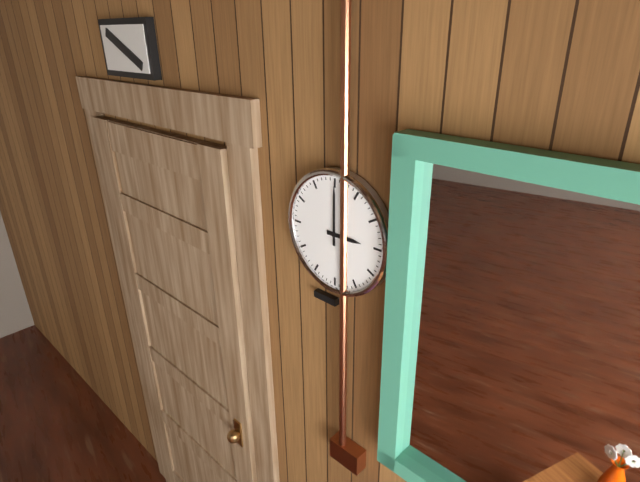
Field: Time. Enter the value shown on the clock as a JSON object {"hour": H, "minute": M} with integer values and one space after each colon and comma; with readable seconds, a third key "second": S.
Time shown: {"hour": 3, "minute": 0}
